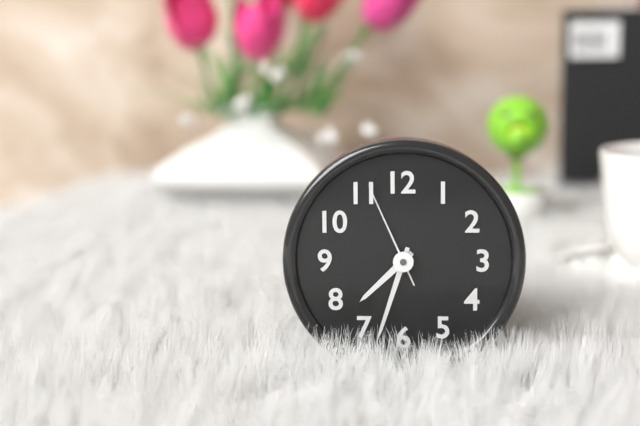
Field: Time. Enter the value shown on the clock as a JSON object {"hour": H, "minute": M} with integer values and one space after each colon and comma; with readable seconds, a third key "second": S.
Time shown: {"hour": 7, "minute": 33, "second": 56}
